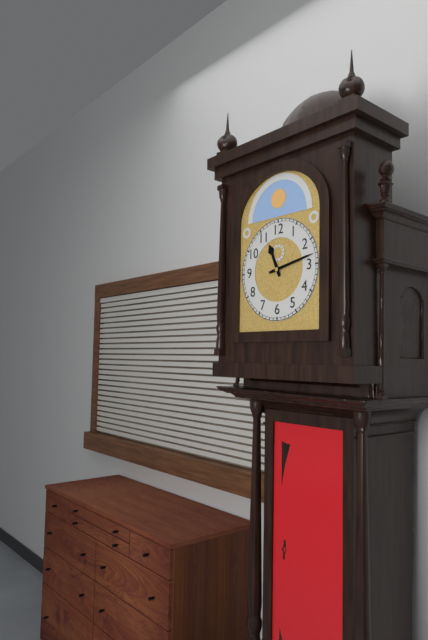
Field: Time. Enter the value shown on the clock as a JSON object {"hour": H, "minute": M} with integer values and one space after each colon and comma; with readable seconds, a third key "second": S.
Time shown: {"hour": 11, "minute": 13}
